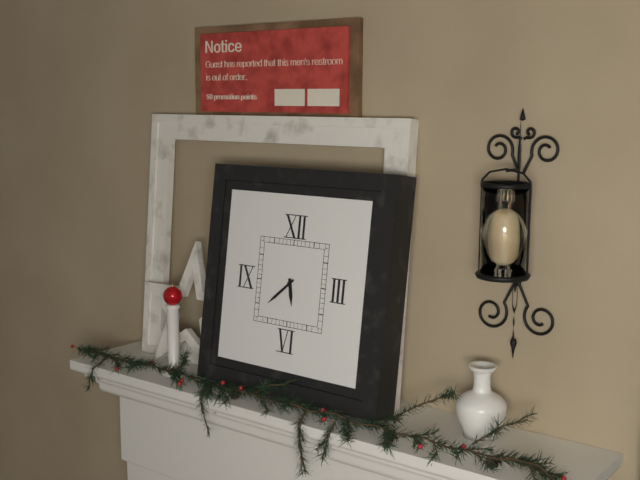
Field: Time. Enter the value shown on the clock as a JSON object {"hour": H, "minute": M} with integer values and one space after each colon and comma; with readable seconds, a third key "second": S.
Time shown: {"hour": 5, "minute": 38}
